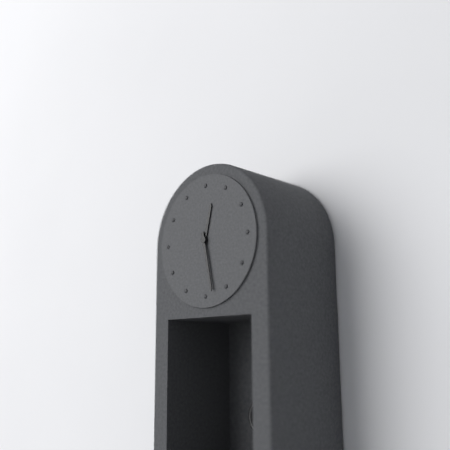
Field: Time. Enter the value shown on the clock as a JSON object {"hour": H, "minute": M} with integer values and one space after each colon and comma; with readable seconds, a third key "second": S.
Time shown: {"hour": 12, "minute": 28}
